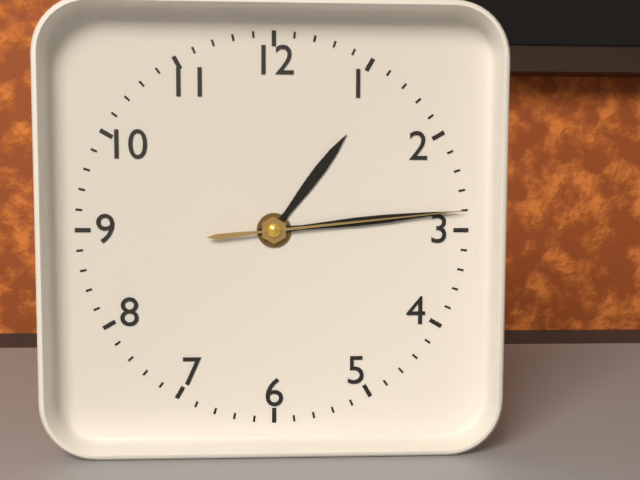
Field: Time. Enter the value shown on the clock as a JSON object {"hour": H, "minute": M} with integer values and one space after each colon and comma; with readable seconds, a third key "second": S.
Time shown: {"hour": 1, "minute": 14, "second": 14}
